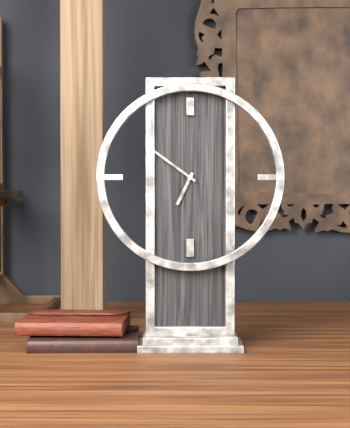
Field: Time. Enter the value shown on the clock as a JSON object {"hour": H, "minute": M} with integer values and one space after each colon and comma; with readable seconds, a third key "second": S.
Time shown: {"hour": 6, "minute": 51}
